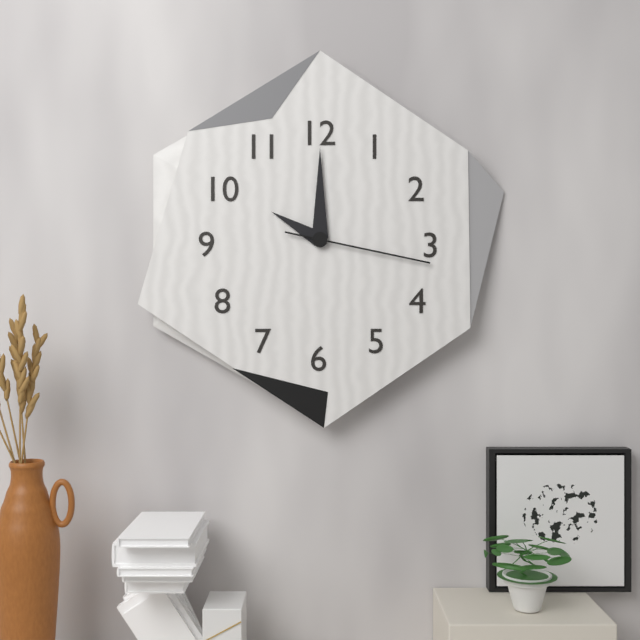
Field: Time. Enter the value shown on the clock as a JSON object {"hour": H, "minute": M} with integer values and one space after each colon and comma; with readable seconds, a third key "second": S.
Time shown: {"hour": 10, "minute": 0, "second": 17}
